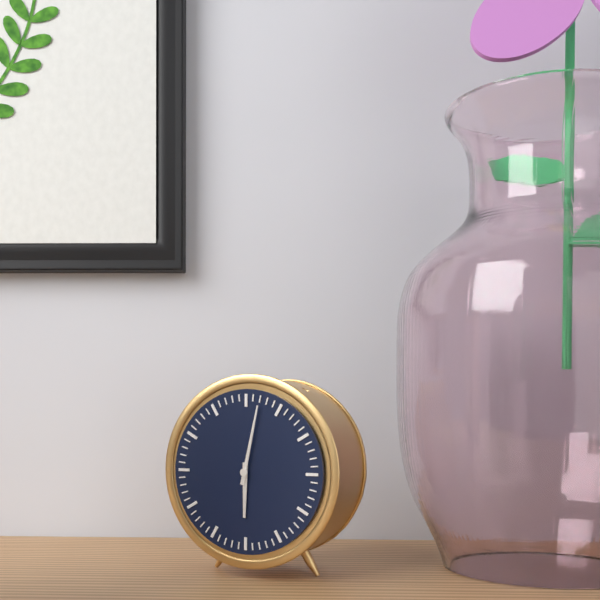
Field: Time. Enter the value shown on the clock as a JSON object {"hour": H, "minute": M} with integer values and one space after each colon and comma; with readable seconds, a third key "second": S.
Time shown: {"hour": 6, "minute": 2}
